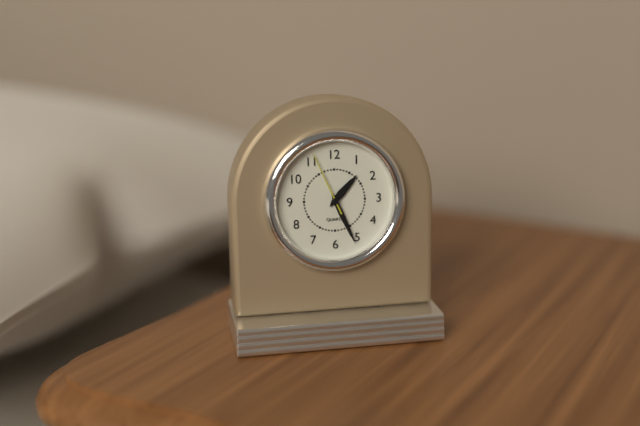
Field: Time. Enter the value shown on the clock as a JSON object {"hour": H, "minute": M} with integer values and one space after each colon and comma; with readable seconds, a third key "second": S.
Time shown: {"hour": 1, "minute": 26, "second": 56}
